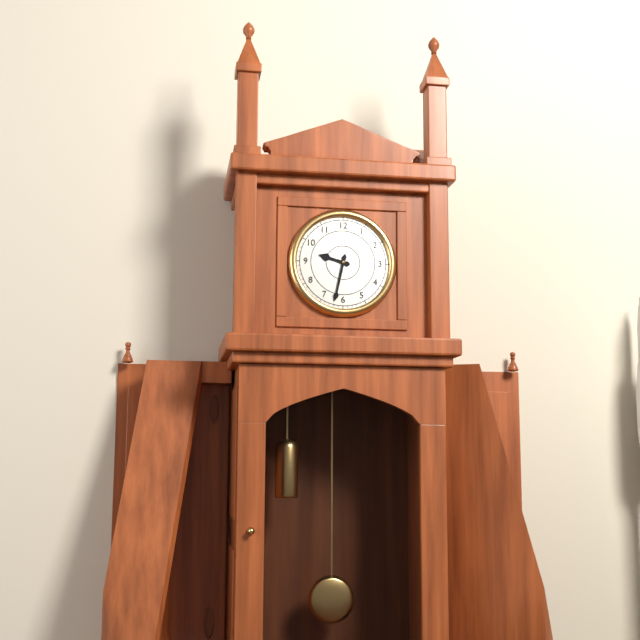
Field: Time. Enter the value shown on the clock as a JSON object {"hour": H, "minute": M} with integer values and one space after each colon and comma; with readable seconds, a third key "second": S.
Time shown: {"hour": 9, "minute": 32}
